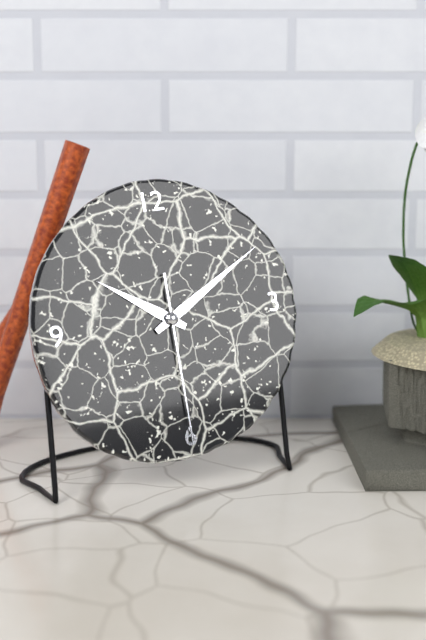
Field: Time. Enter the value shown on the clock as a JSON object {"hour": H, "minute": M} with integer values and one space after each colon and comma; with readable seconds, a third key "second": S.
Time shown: {"hour": 10, "minute": 10, "second": 30}
